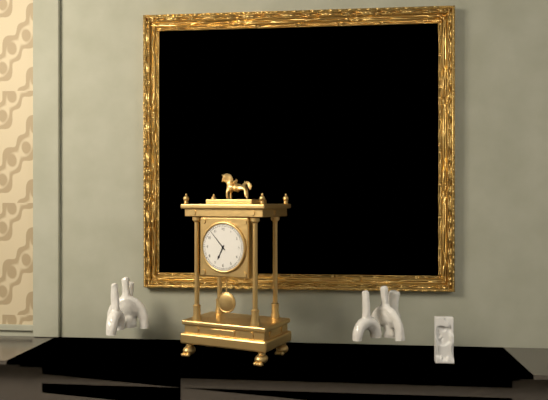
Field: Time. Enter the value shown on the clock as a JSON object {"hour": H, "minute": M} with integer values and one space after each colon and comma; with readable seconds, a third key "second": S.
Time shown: {"hour": 6, "minute": 53}
